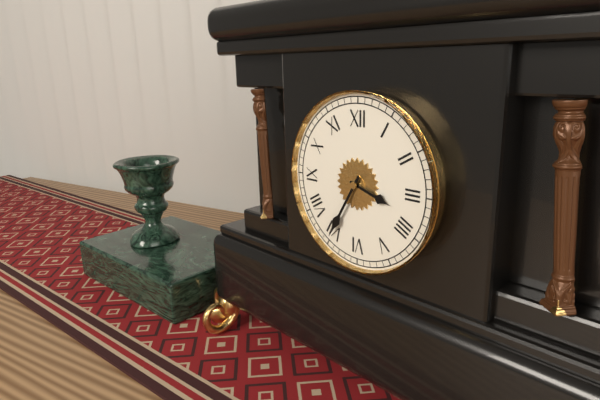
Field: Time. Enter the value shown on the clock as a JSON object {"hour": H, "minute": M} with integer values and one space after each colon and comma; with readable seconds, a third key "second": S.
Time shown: {"hour": 3, "minute": 35}
